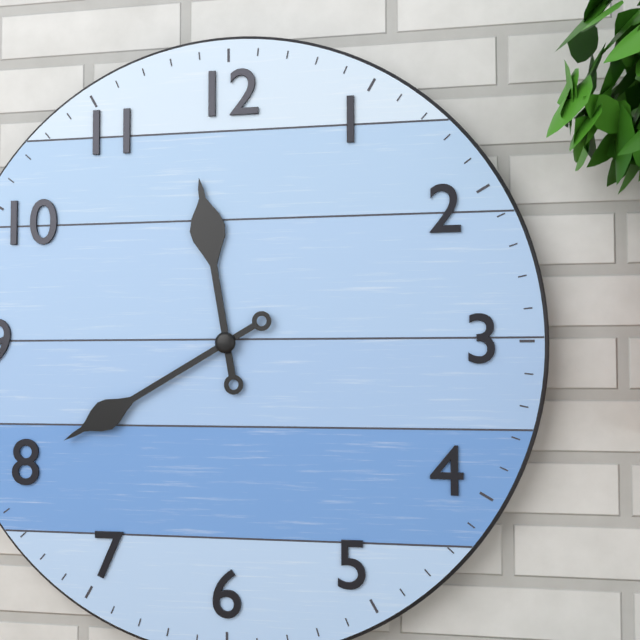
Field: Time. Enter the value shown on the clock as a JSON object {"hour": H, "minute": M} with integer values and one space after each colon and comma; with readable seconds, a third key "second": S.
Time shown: {"hour": 11, "minute": 40}
